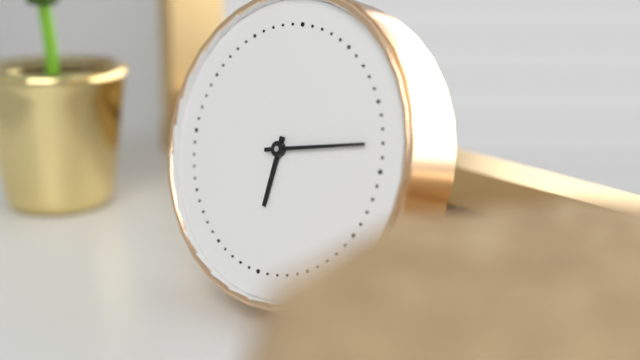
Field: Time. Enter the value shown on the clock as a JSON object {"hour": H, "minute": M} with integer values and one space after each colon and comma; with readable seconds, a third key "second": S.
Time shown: {"hour": 6, "minute": 13}
